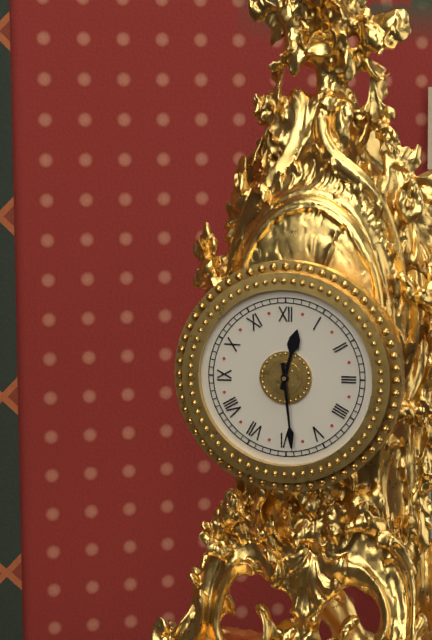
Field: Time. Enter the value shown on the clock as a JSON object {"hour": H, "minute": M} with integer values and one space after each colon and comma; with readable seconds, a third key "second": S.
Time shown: {"hour": 12, "minute": 29}
